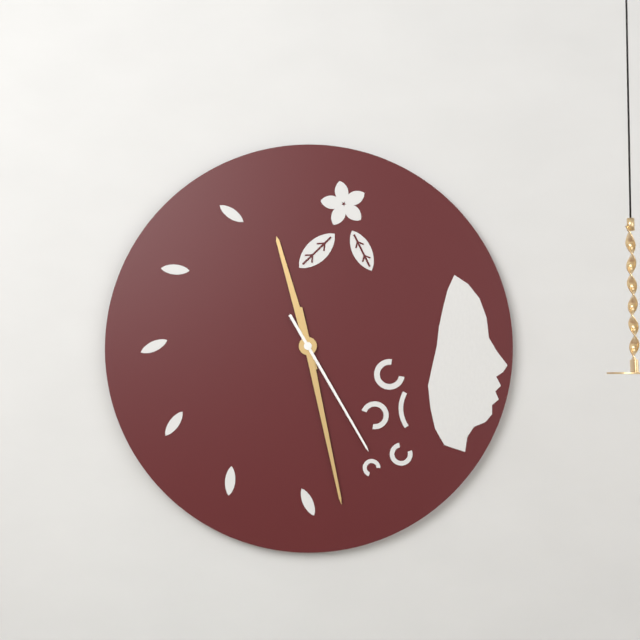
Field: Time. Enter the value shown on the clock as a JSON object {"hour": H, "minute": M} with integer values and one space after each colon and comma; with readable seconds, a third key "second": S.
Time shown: {"hour": 11, "minute": 28, "second": 25}
